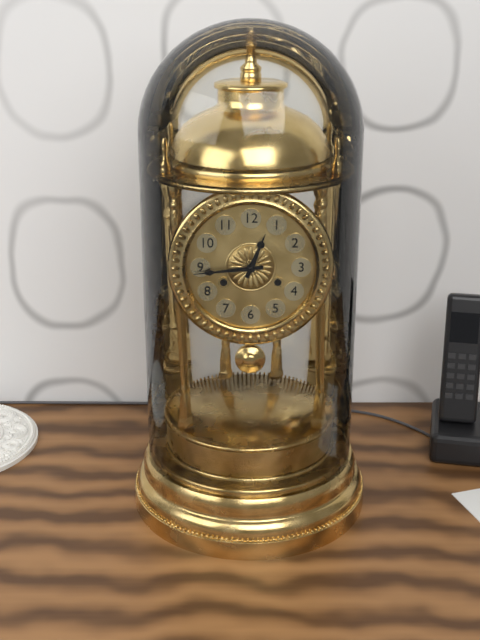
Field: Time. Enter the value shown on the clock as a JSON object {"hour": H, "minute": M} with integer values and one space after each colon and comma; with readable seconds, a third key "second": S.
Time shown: {"hour": 12, "minute": 44}
